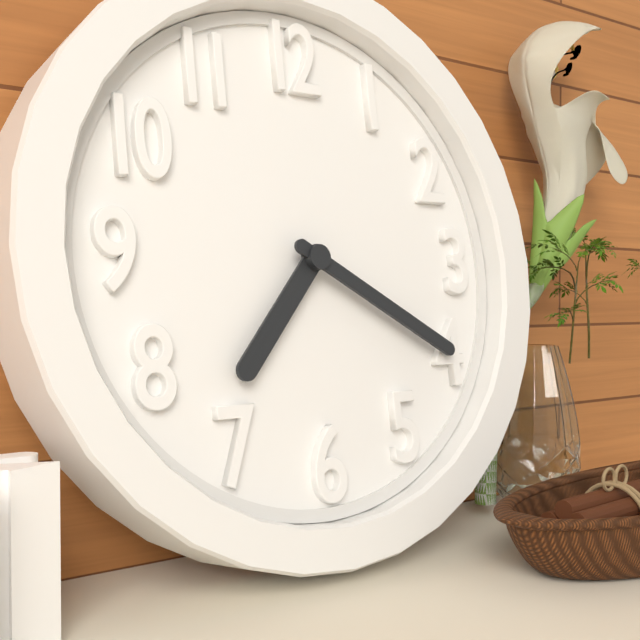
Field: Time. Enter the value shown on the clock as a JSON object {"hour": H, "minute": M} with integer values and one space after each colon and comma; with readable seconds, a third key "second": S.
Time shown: {"hour": 7, "minute": 20}
